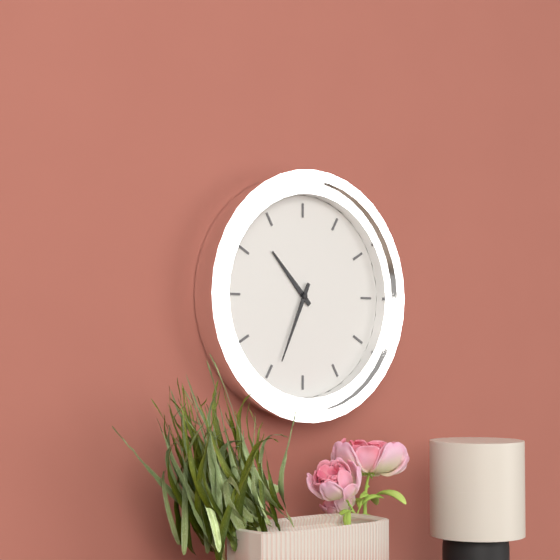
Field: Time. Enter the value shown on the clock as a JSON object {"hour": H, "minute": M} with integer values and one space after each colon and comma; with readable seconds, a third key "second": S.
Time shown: {"hour": 10, "minute": 34}
